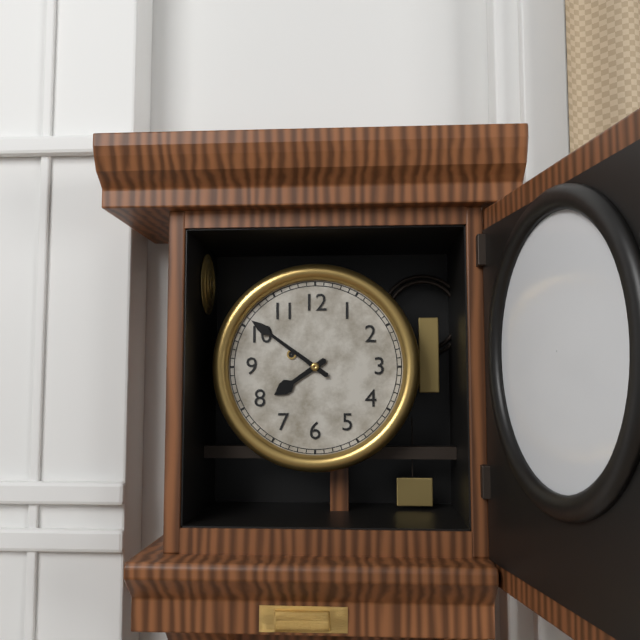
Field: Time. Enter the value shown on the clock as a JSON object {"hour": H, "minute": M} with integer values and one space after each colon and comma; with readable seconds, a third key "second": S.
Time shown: {"hour": 7, "minute": 51}
